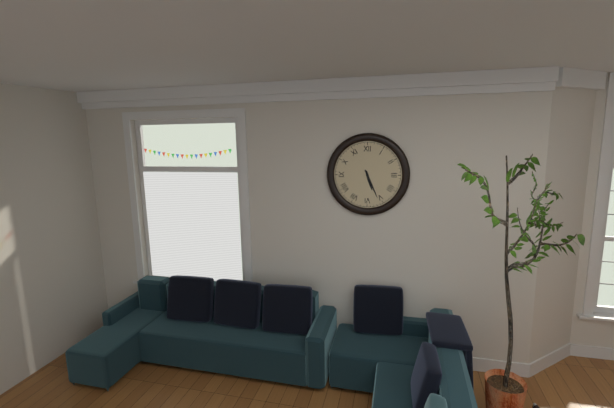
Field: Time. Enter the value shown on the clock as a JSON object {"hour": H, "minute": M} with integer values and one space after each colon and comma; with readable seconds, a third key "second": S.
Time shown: {"hour": 5, "minute": 26}
